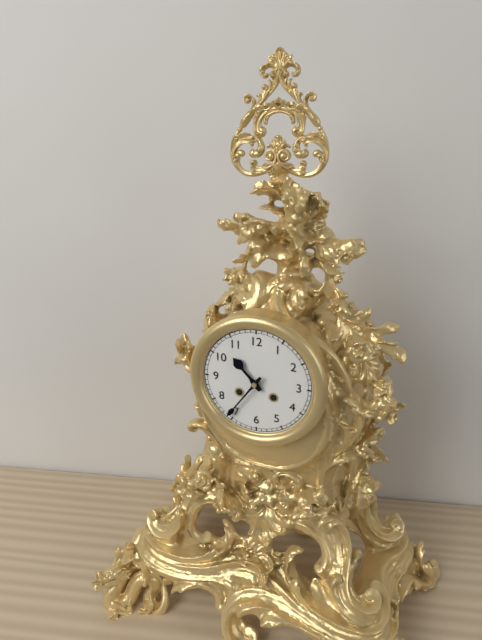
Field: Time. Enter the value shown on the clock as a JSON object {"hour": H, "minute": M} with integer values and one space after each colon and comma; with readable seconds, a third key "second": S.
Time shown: {"hour": 10, "minute": 36}
